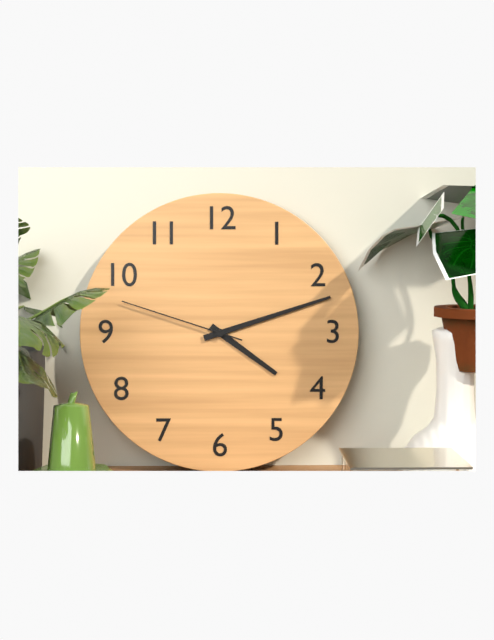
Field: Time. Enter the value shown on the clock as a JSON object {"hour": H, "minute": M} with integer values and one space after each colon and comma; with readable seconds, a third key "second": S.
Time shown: {"hour": 4, "minute": 12, "second": 48}
